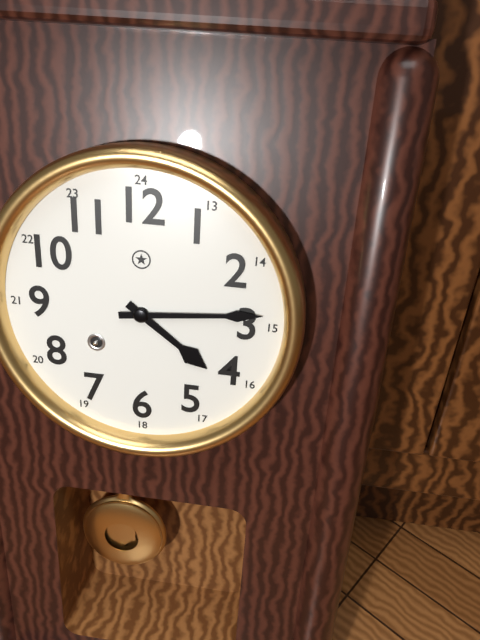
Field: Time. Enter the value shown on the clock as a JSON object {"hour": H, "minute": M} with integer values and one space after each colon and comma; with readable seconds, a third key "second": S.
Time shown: {"hour": 4, "minute": 14}
